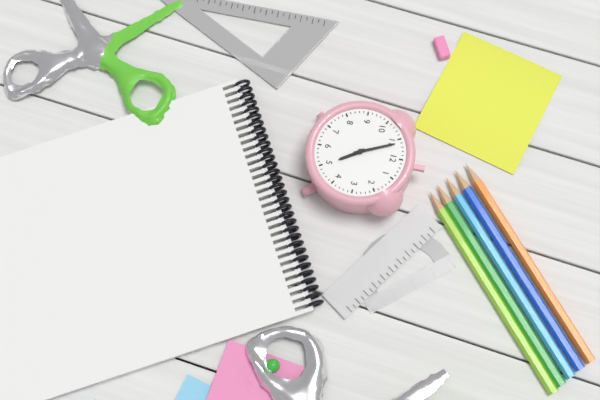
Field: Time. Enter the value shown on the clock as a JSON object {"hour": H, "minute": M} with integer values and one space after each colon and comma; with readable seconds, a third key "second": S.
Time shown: {"hour": 4, "minute": 56}
